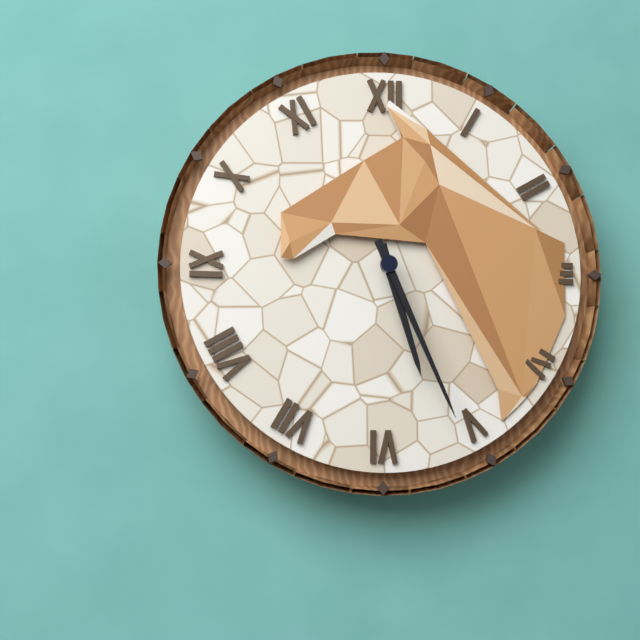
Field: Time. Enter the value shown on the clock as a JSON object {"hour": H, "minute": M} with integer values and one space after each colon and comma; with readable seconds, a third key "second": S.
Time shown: {"hour": 5, "minute": 26}
